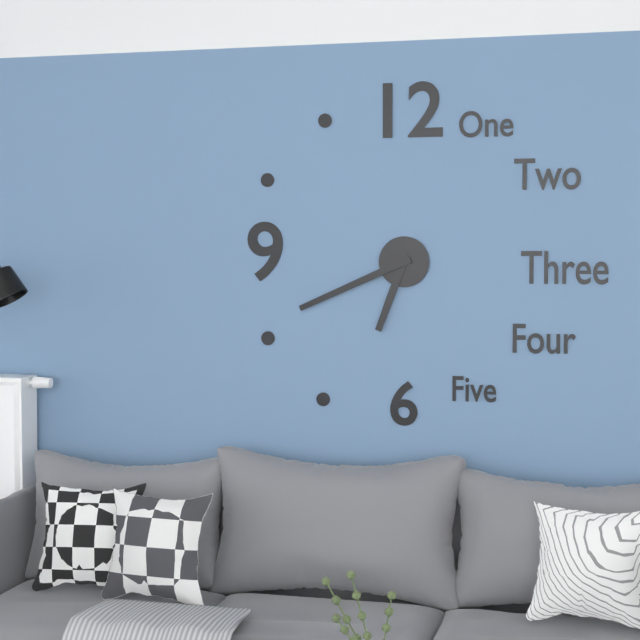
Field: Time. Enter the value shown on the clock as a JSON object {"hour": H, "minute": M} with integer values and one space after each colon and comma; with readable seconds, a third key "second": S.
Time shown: {"hour": 6, "minute": 41}
